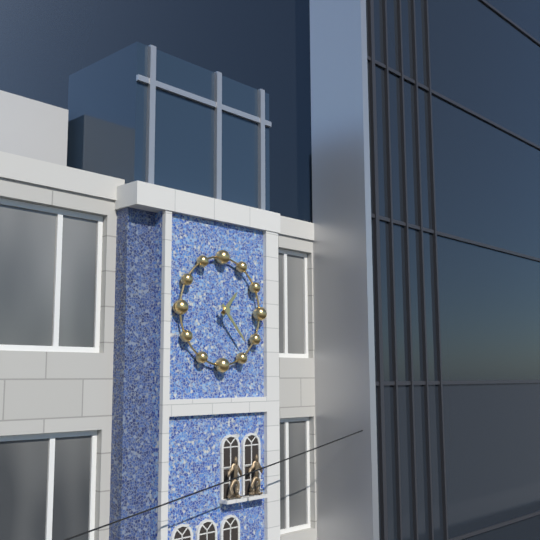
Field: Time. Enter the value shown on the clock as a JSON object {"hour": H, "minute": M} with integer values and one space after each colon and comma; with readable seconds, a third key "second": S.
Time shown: {"hour": 1, "minute": 23}
